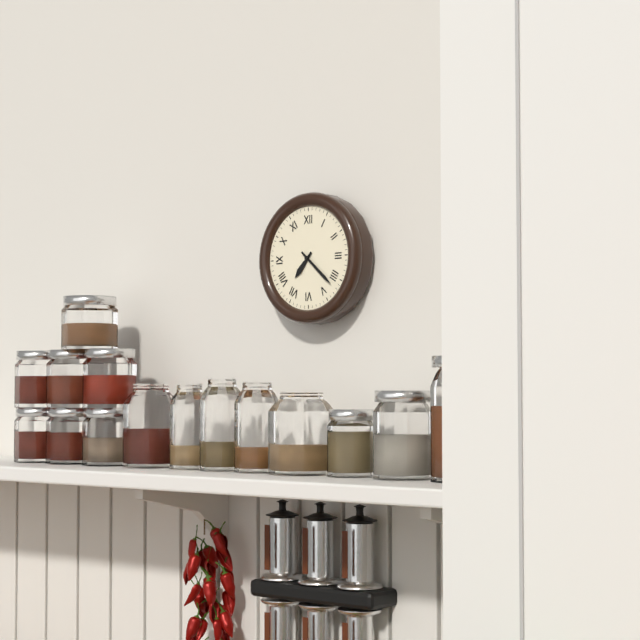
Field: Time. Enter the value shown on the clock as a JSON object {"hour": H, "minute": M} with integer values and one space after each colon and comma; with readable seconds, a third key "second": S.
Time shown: {"hour": 7, "minute": 22}
